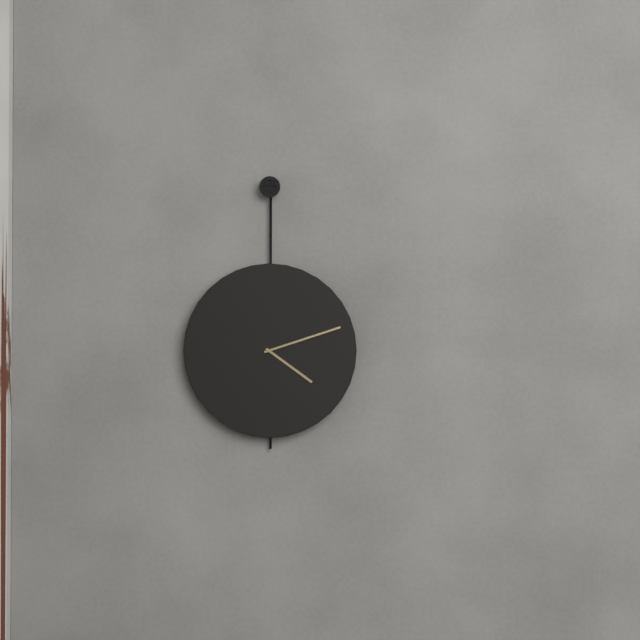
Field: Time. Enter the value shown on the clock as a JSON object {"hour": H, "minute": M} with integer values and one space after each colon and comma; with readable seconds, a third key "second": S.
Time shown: {"hour": 4, "minute": 12}
